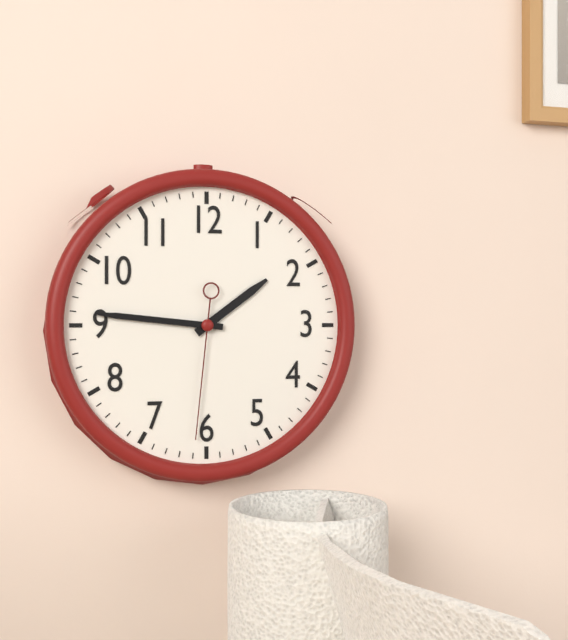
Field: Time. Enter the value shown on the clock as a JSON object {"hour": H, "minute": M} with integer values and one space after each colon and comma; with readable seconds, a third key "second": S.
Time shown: {"hour": 1, "minute": 46, "second": 31}
